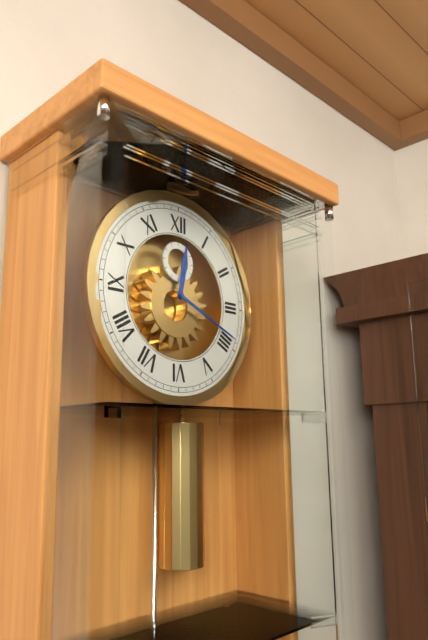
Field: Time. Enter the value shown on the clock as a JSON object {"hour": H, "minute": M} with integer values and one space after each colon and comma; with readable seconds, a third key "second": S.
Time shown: {"hour": 12, "minute": 19}
